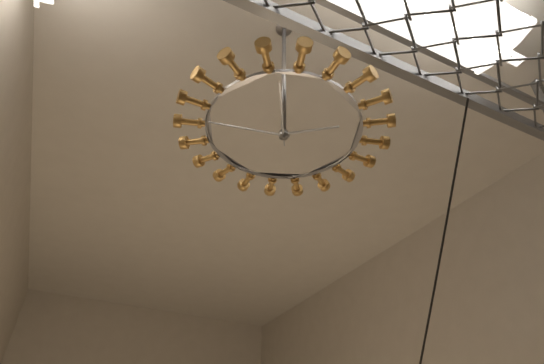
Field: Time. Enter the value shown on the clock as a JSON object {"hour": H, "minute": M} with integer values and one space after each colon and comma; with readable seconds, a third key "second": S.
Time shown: {"hour": 1, "minute": 43, "second": 55}
